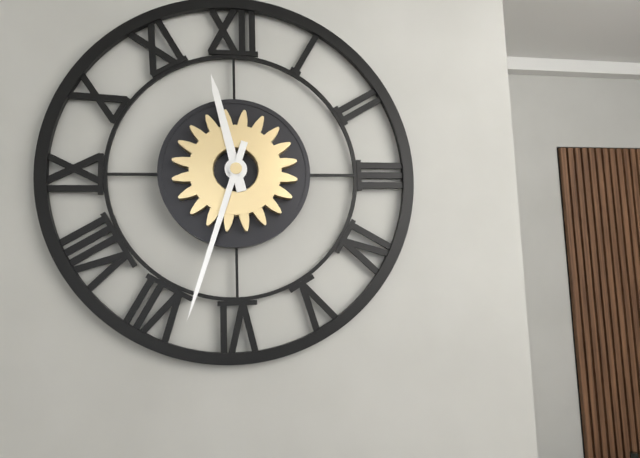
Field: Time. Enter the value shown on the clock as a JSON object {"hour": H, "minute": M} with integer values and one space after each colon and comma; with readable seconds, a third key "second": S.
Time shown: {"hour": 11, "minute": 33}
